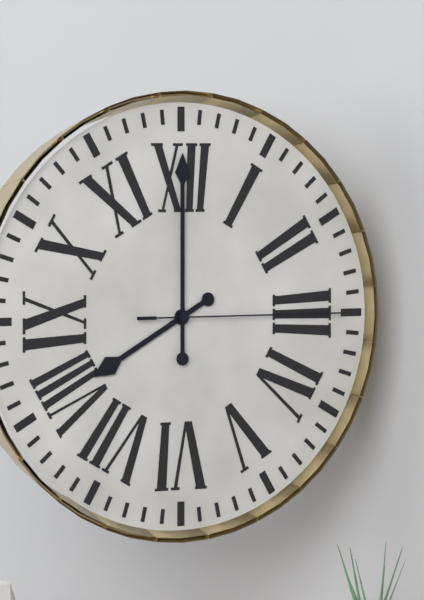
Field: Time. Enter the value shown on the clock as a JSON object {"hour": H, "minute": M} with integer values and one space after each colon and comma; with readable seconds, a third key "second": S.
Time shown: {"hour": 8, "minute": 0, "second": 15}
